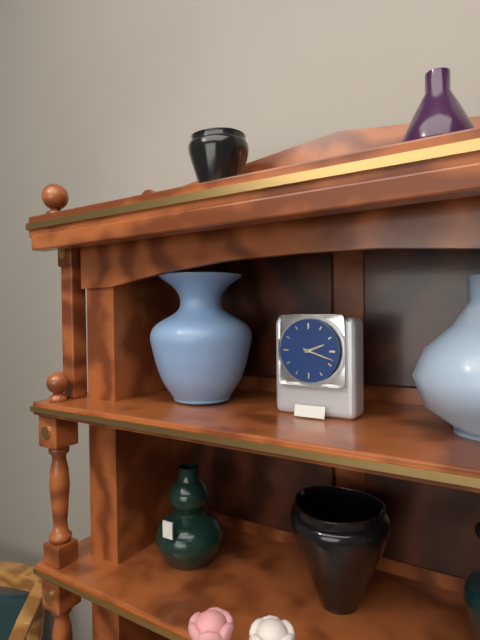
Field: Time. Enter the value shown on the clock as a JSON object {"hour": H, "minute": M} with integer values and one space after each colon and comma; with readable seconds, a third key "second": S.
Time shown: {"hour": 2, "minute": 18}
